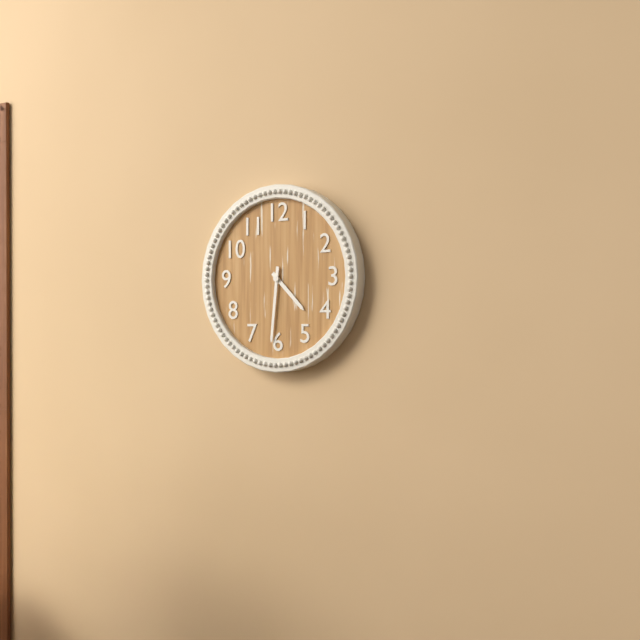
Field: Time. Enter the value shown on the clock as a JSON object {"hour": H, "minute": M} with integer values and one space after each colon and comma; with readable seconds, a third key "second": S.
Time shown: {"hour": 4, "minute": 31}
